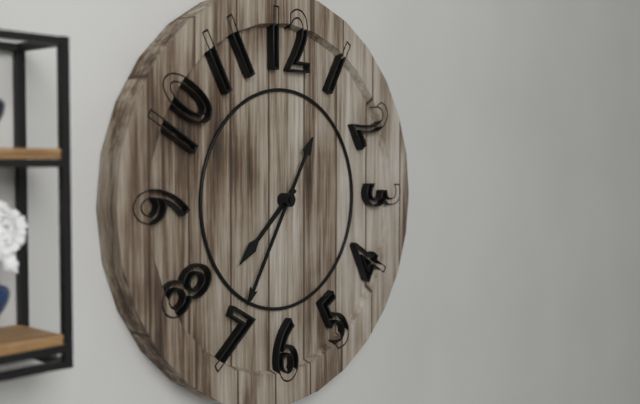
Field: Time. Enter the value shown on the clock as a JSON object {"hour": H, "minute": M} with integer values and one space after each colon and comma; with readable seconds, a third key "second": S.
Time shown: {"hour": 7, "minute": 35}
